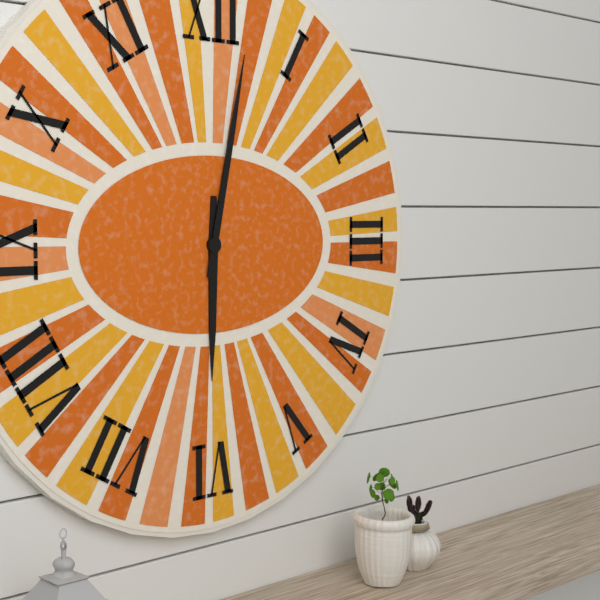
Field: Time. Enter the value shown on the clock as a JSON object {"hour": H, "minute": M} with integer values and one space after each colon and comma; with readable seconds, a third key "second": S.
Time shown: {"hour": 6, "minute": 2}
